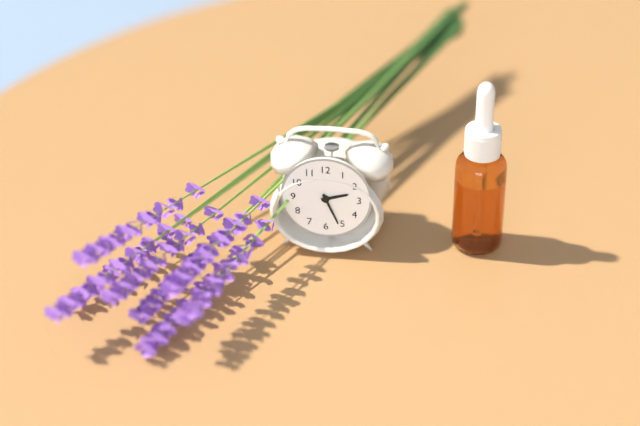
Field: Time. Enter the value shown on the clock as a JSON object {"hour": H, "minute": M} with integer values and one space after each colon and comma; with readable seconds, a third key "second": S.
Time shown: {"hour": 2, "minute": 26}
